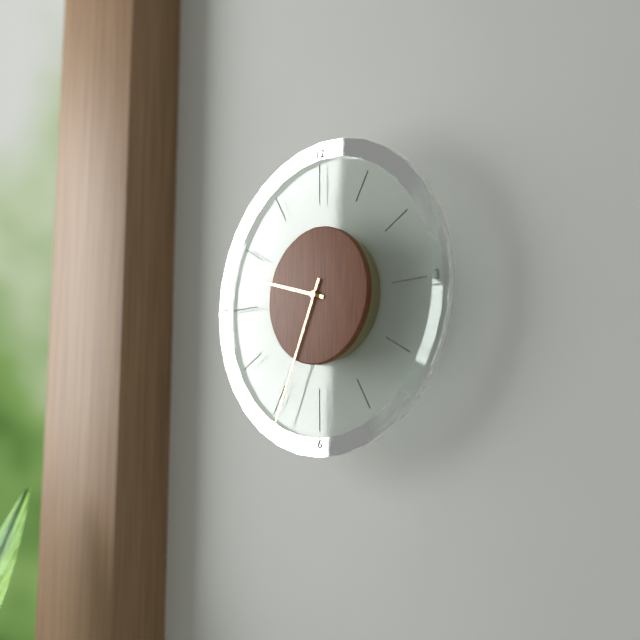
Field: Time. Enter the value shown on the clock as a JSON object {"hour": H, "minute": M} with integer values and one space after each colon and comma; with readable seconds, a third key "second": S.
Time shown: {"hour": 9, "minute": 34}
